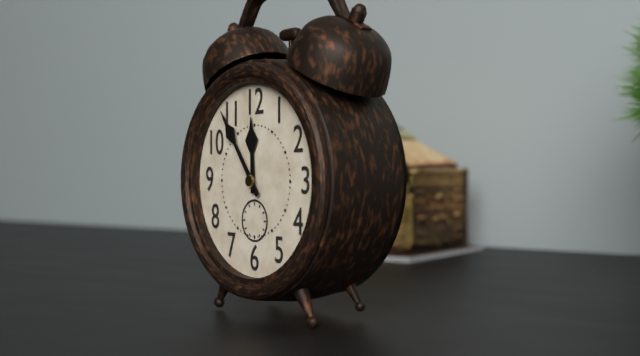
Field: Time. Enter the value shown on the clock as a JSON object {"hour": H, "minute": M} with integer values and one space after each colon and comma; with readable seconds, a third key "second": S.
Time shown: {"hour": 11, "minute": 54}
